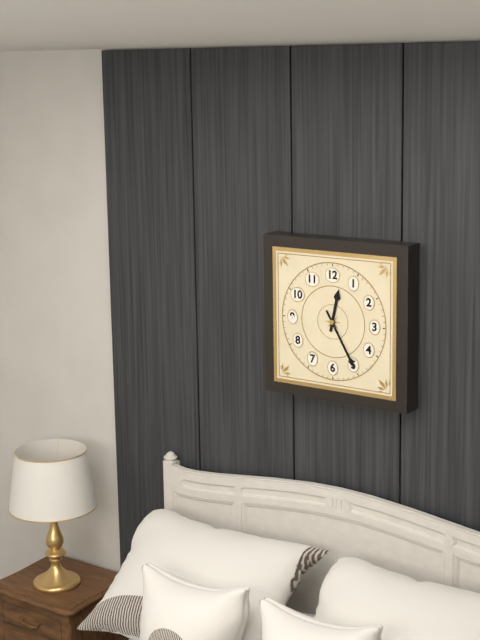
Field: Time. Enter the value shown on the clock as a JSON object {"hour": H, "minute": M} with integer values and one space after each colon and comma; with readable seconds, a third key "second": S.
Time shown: {"hour": 12, "minute": 25}
